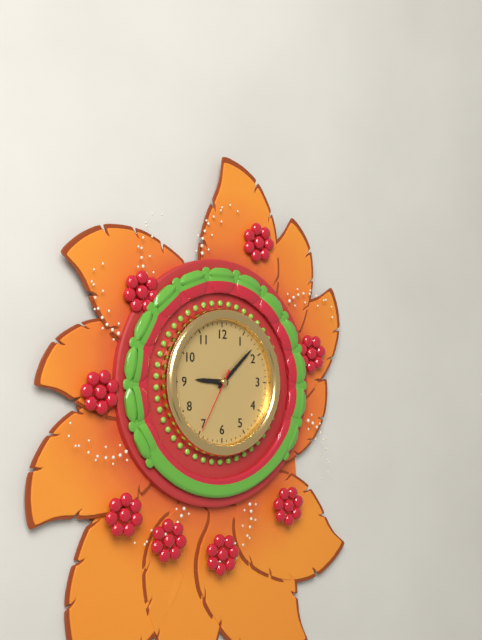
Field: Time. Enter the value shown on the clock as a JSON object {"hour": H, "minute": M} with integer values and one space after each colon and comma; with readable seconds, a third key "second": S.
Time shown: {"hour": 9, "minute": 8, "second": 35}
